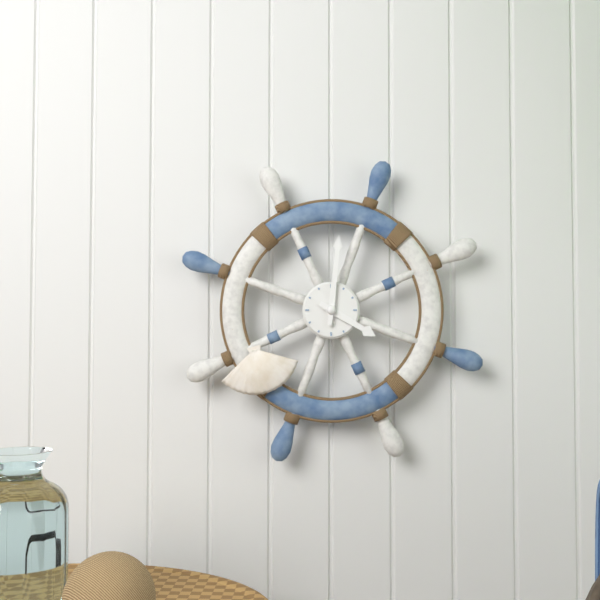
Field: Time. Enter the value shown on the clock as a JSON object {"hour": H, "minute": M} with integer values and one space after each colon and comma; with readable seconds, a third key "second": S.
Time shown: {"hour": 4, "minute": 1}
